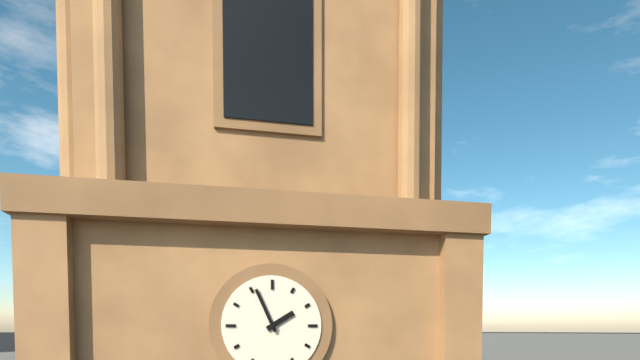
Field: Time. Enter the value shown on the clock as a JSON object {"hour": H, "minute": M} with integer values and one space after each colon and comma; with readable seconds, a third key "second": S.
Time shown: {"hour": 1, "minute": 56}
